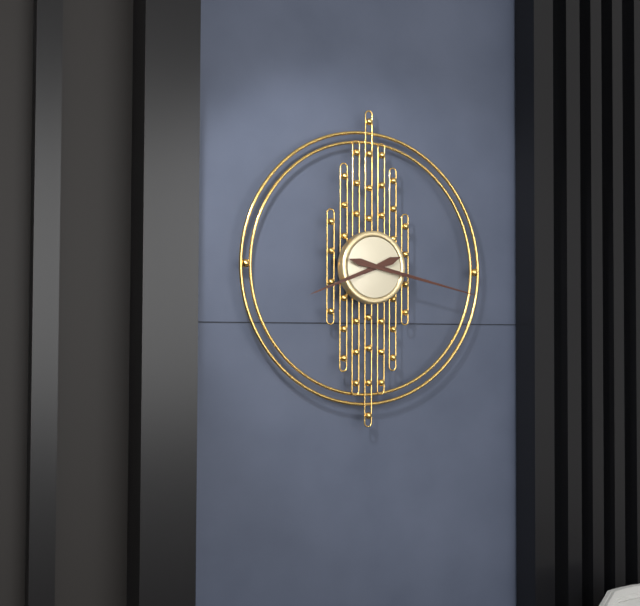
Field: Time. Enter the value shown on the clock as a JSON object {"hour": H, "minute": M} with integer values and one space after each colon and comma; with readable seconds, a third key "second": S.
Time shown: {"hour": 8, "minute": 17}
